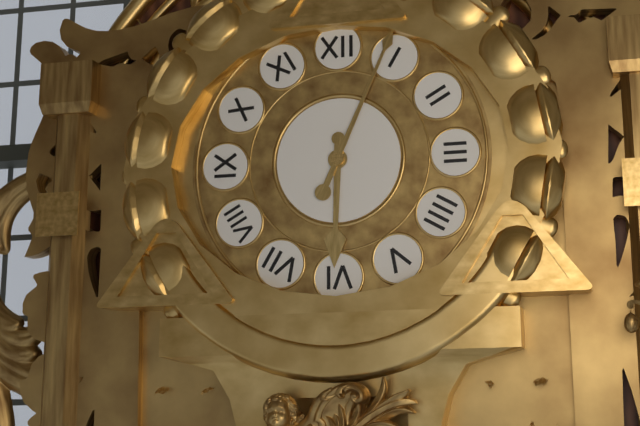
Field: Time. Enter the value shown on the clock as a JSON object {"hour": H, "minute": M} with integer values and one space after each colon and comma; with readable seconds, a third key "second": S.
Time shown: {"hour": 6, "minute": 4}
